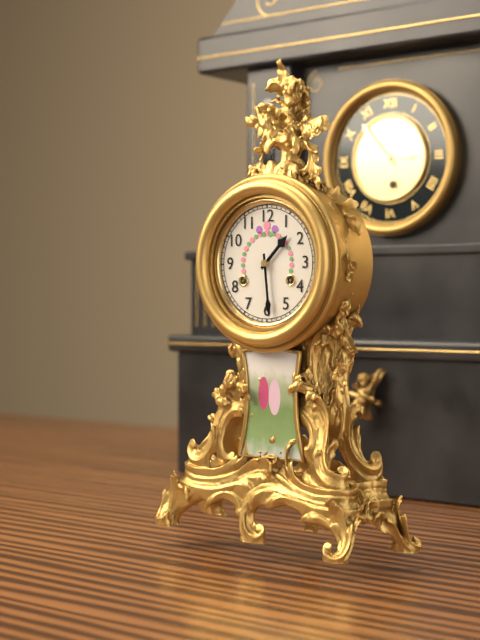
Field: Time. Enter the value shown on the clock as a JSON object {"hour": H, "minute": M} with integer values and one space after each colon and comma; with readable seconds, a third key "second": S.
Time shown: {"hour": 1, "minute": 29}
